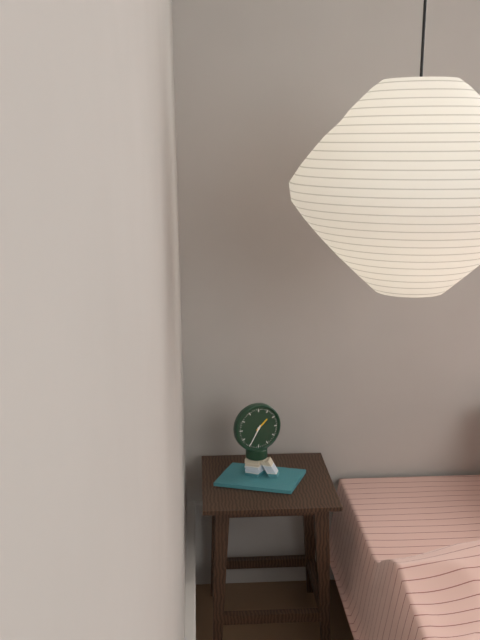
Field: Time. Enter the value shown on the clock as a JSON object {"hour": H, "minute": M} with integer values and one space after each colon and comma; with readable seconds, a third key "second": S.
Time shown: {"hour": 1, "minute": 35}
